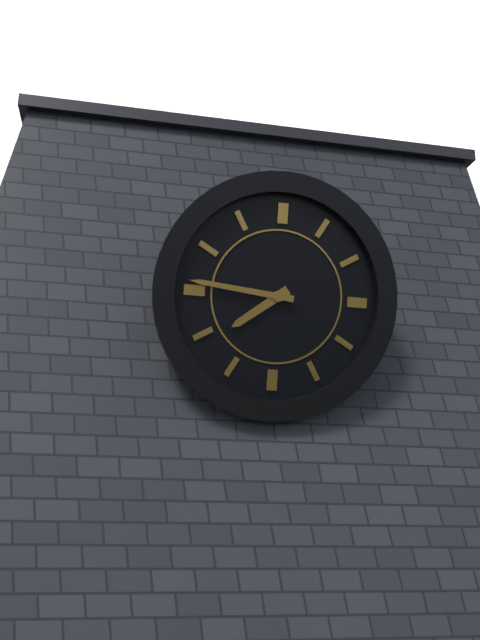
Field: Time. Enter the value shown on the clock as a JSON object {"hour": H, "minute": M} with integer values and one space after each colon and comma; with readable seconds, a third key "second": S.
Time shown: {"hour": 7, "minute": 46}
